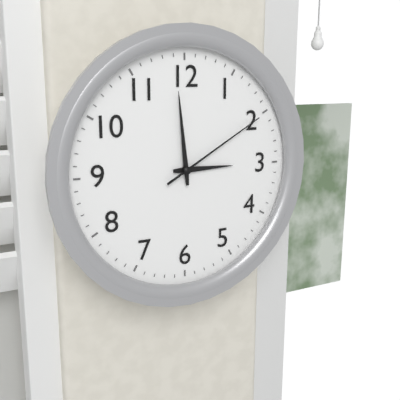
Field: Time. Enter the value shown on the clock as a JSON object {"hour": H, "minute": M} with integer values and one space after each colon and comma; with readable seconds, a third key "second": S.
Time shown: {"hour": 2, "minute": 59, "second": 10}
